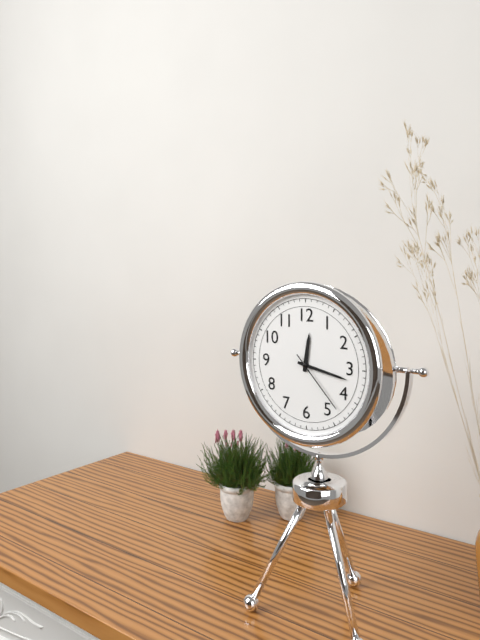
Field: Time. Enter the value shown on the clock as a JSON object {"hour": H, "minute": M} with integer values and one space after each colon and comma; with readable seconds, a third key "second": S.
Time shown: {"hour": 12, "minute": 17, "second": 23}
